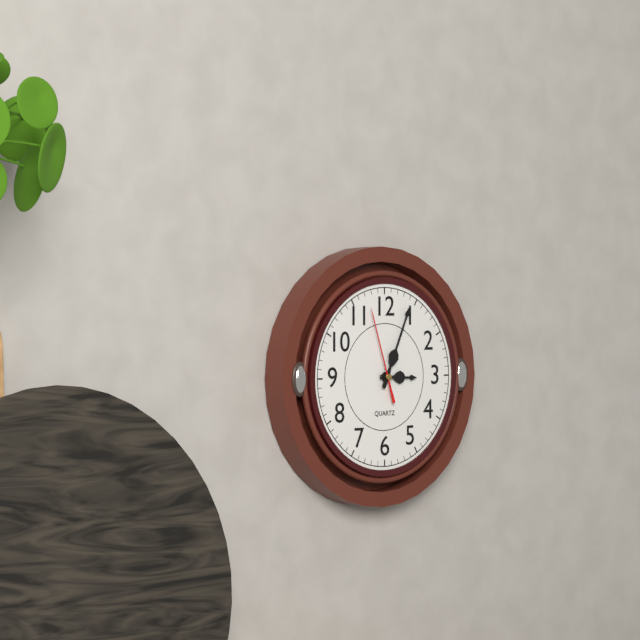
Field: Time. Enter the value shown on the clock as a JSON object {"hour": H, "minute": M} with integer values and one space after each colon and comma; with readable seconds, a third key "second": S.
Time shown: {"hour": 3, "minute": 4, "second": 57}
